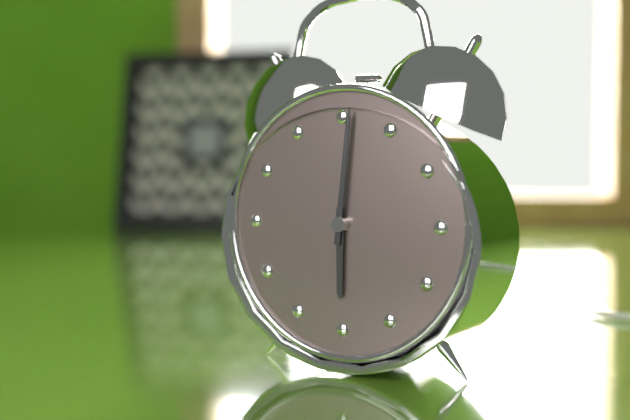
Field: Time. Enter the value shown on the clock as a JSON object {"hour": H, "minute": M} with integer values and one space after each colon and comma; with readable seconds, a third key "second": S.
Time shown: {"hour": 6, "minute": 1}
